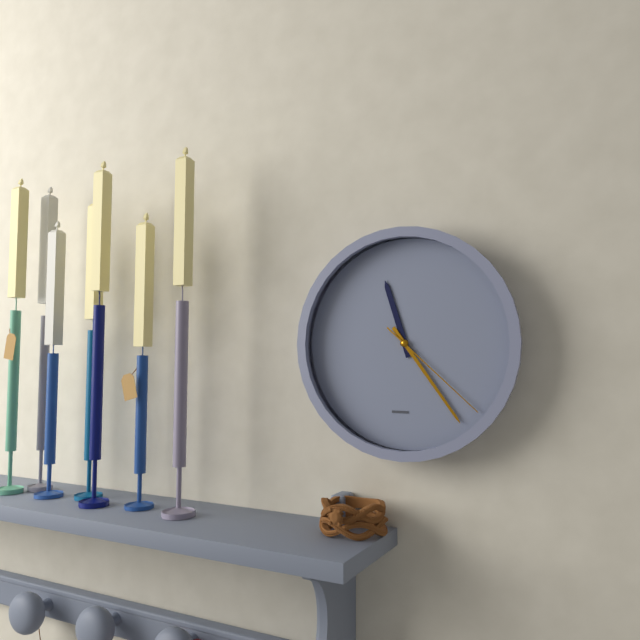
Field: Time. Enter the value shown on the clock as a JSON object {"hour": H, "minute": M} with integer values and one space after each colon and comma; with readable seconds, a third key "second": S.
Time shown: {"hour": 11, "minute": 24, "second": 22}
